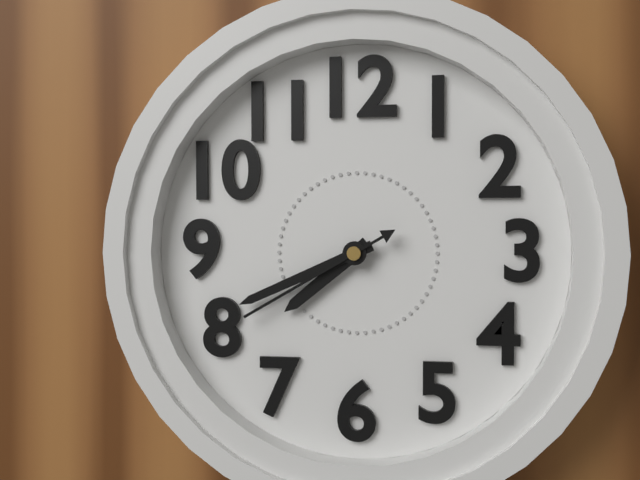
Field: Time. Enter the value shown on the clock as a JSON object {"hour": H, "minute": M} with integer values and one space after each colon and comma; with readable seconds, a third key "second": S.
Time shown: {"hour": 7, "minute": 41, "second": 40}
